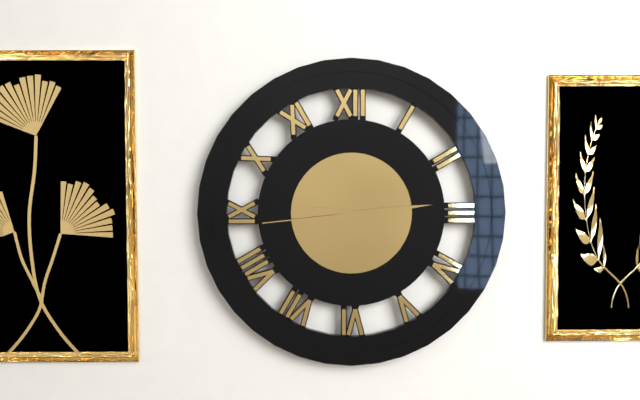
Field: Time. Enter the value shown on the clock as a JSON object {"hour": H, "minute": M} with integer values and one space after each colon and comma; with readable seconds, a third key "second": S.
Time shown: {"hour": 9, "minute": 14, "second": 44}
